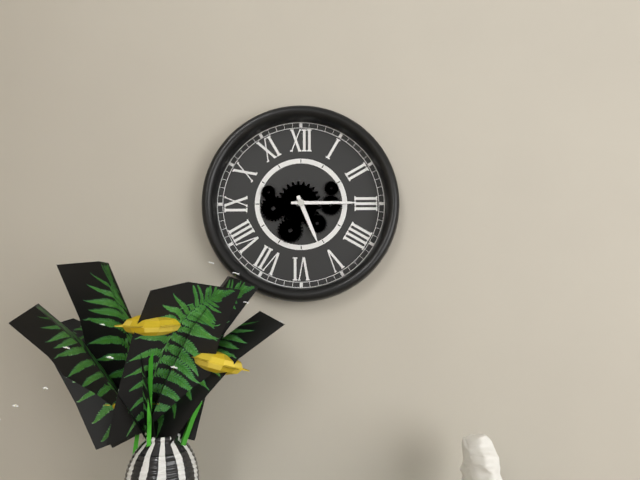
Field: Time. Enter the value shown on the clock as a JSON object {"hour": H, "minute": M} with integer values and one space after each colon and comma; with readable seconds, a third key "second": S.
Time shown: {"hour": 5, "minute": 15}
